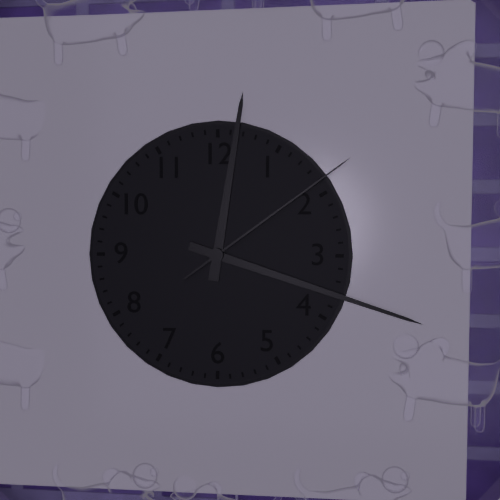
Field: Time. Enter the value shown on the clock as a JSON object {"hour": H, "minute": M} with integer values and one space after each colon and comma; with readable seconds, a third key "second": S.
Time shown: {"hour": 12, "minute": 18, "second": 9}
